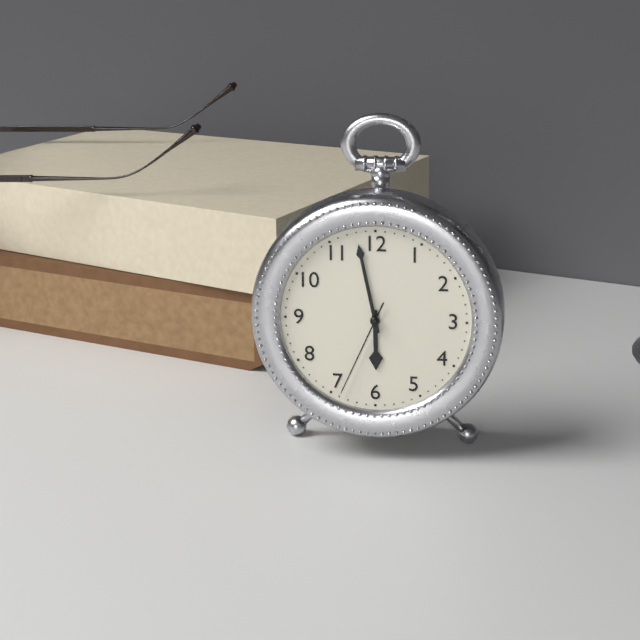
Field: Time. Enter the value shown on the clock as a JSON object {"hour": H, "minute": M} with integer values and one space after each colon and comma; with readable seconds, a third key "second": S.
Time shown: {"hour": 5, "minute": 58, "second": 34}
